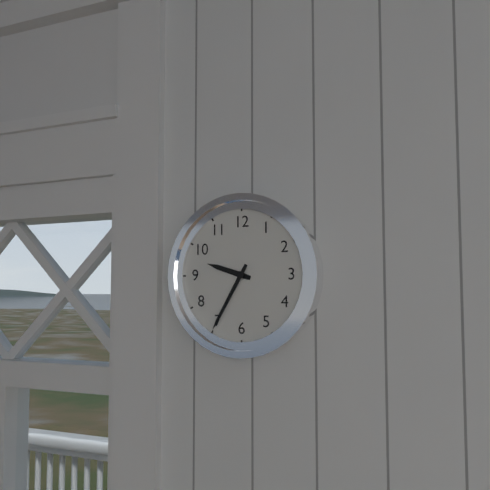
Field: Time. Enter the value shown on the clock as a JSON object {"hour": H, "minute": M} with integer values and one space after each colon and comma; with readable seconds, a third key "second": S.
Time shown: {"hour": 9, "minute": 35}
